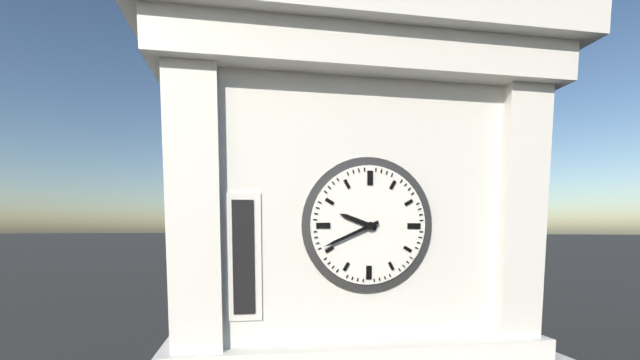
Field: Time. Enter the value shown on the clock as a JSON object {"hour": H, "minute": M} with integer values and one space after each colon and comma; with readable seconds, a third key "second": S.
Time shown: {"hour": 9, "minute": 41}
